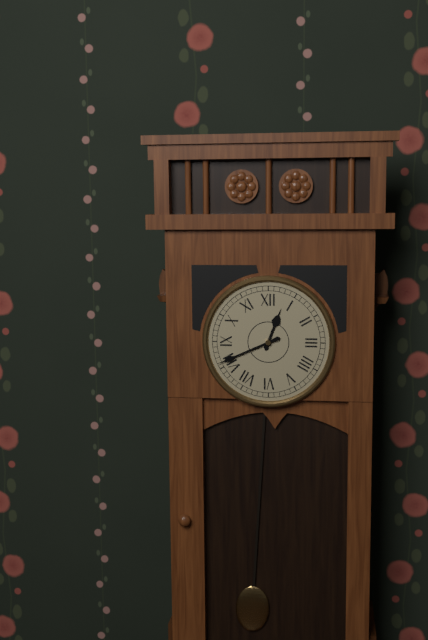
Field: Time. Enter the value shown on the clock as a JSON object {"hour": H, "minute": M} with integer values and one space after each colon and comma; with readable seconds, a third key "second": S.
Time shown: {"hour": 12, "minute": 41}
